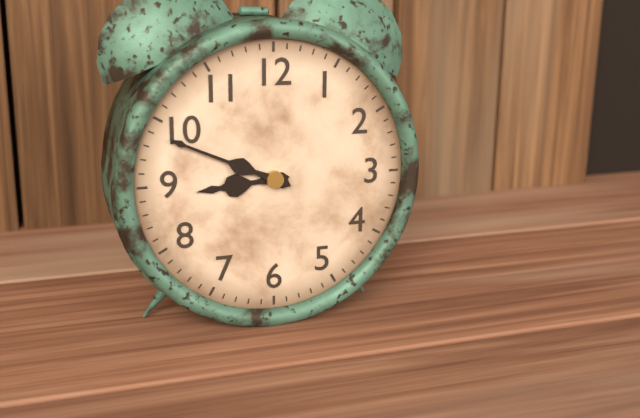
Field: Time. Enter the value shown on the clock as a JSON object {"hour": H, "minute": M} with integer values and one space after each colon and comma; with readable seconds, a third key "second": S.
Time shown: {"hour": 8, "minute": 49}
